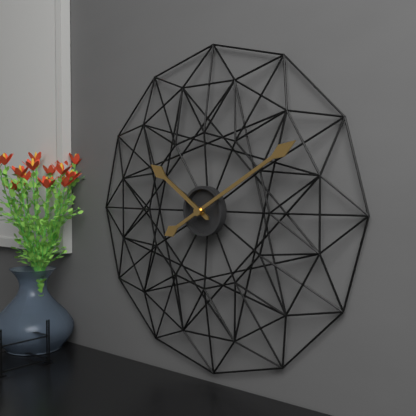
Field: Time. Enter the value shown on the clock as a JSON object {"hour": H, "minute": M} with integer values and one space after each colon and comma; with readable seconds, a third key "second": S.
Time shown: {"hour": 10, "minute": 10}
